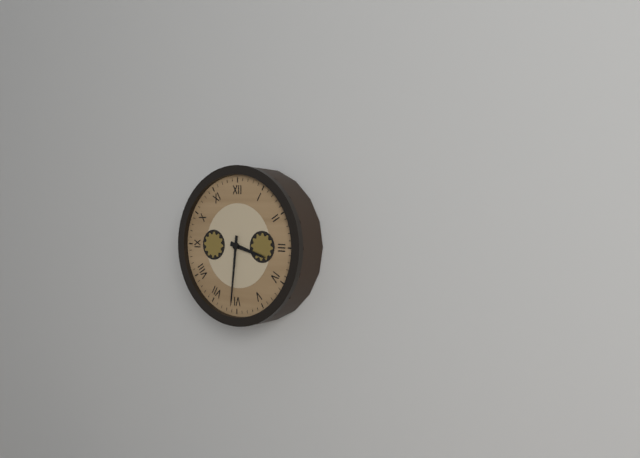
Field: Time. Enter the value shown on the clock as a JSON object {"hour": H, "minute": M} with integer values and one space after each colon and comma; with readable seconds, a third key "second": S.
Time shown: {"hour": 3, "minute": 31}
